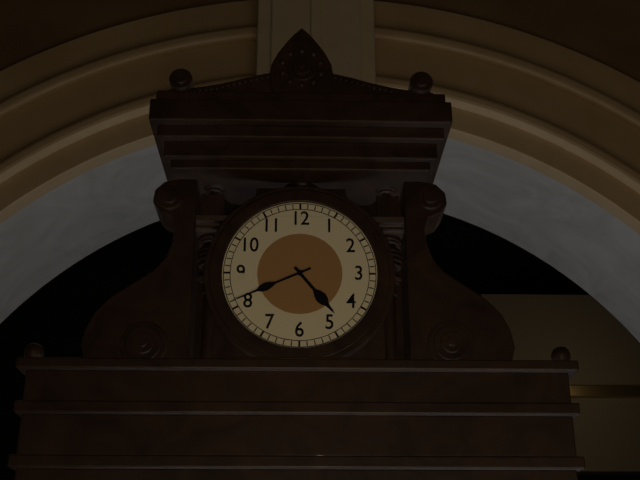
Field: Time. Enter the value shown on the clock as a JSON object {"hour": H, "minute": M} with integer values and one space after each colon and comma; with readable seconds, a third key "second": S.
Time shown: {"hour": 4, "minute": 41}
